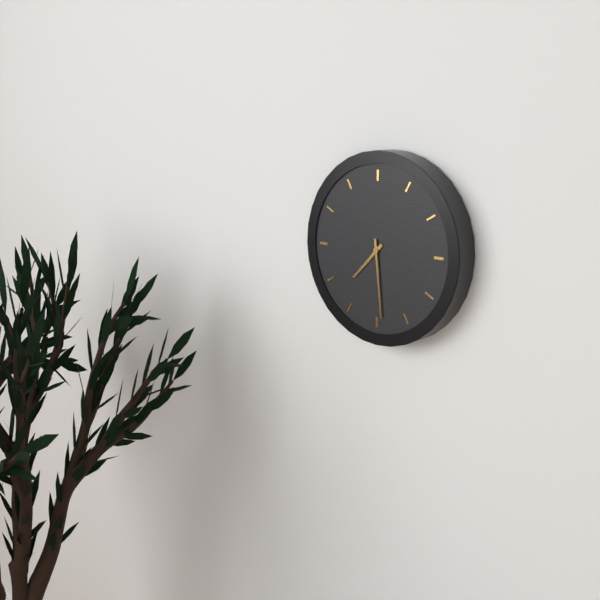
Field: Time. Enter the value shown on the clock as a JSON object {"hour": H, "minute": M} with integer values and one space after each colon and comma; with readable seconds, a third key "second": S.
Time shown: {"hour": 7, "minute": 29}
